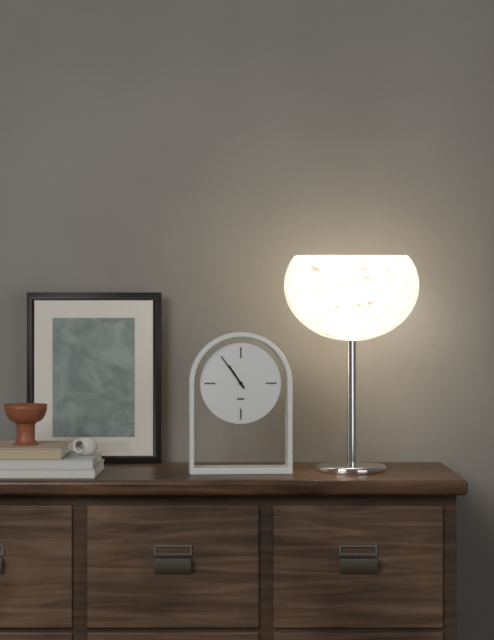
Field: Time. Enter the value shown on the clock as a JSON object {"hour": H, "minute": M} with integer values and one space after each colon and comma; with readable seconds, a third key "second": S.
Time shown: {"hour": 10, "minute": 54}
